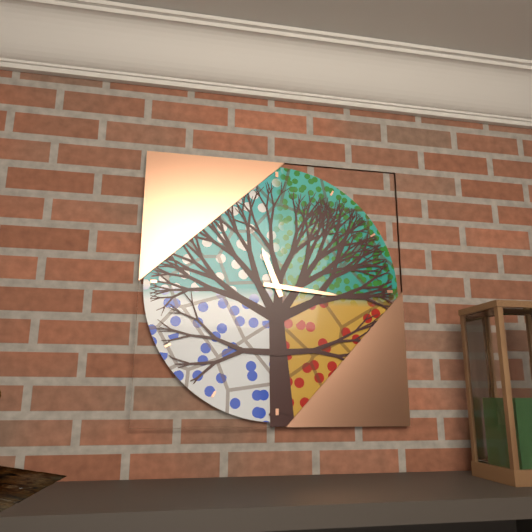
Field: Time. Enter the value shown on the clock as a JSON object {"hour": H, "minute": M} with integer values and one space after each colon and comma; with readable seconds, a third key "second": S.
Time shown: {"hour": 11, "minute": 16}
